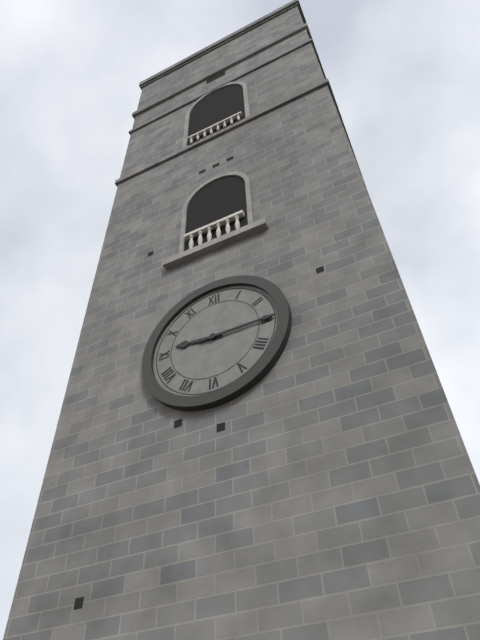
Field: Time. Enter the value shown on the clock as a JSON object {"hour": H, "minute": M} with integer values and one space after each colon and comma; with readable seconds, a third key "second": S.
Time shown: {"hour": 9, "minute": 15}
